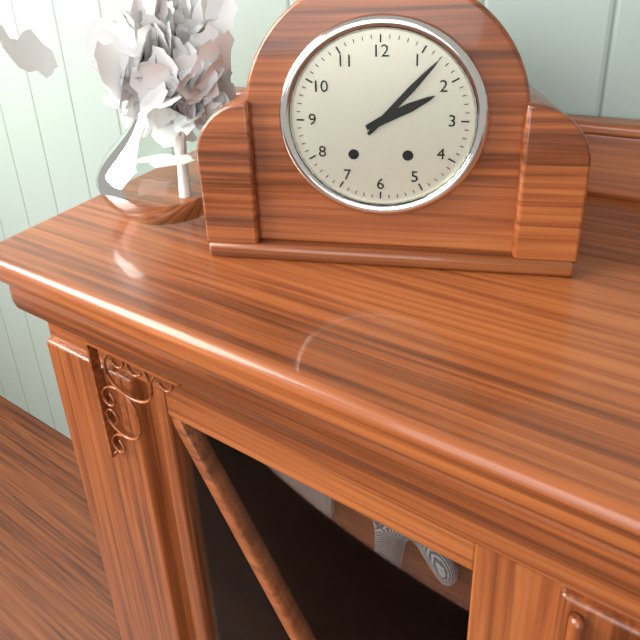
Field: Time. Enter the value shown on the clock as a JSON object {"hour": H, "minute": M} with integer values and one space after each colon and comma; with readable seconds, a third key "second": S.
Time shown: {"hour": 2, "minute": 7}
